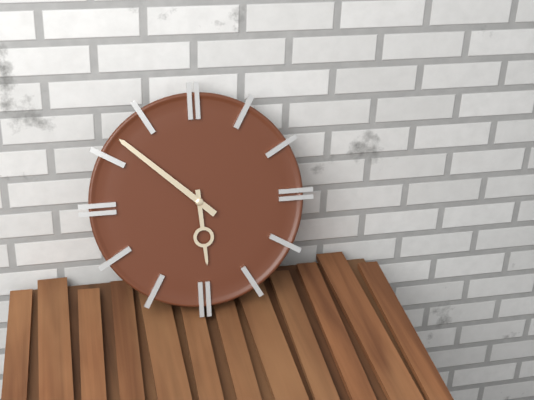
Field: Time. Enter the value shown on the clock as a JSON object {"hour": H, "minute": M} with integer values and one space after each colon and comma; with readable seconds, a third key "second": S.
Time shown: {"hour": 5, "minute": 52}
